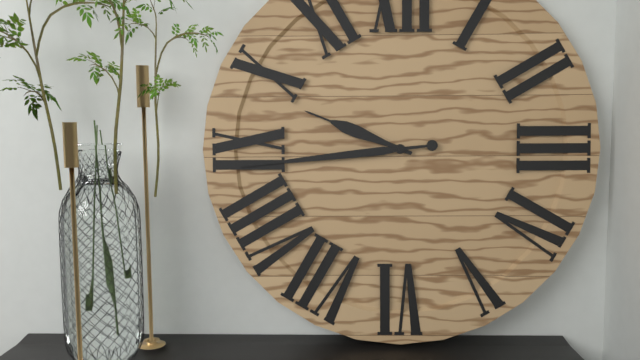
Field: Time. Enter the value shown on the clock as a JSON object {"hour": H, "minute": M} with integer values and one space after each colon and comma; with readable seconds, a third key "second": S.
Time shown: {"hour": 9, "minute": 44}
